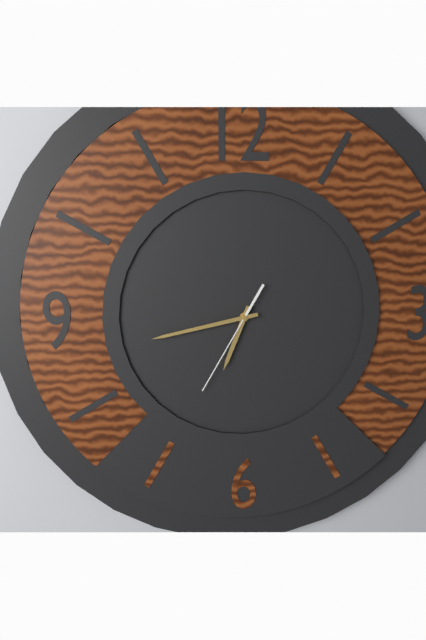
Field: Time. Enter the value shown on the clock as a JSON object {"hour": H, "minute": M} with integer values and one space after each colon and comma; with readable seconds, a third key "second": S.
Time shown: {"hour": 6, "minute": 43, "second": 35}
